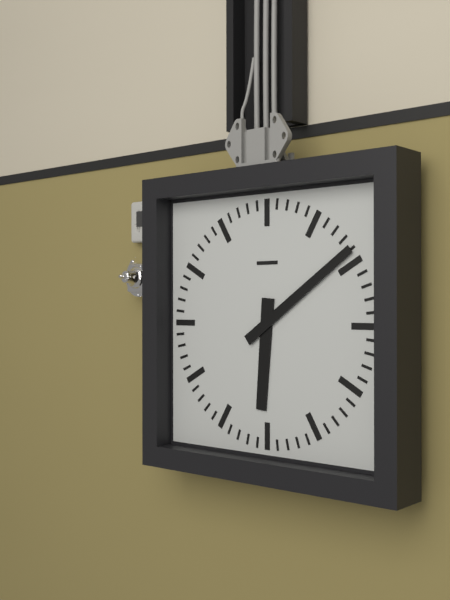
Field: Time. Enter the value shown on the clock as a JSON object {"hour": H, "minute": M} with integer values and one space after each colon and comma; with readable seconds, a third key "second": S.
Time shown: {"hour": 6, "minute": 9}
